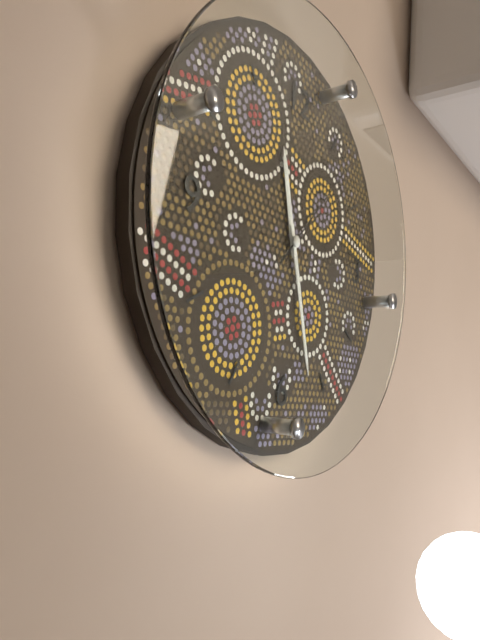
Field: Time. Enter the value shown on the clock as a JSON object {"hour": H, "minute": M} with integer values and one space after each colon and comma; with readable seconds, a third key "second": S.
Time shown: {"hour": 11, "minute": 27, "second": 7}
